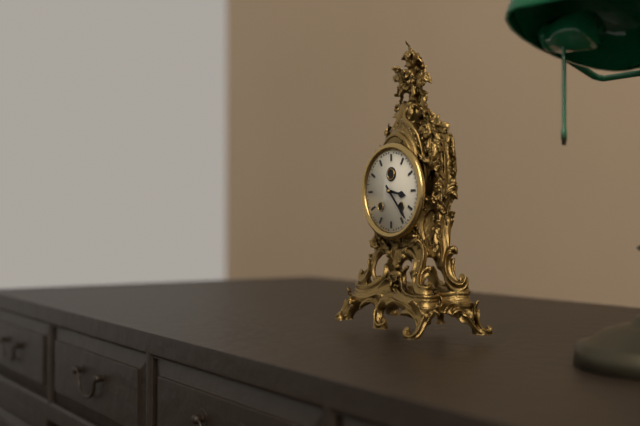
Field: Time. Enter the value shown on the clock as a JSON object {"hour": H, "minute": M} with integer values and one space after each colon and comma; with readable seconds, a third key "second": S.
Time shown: {"hour": 3, "minute": 23}
